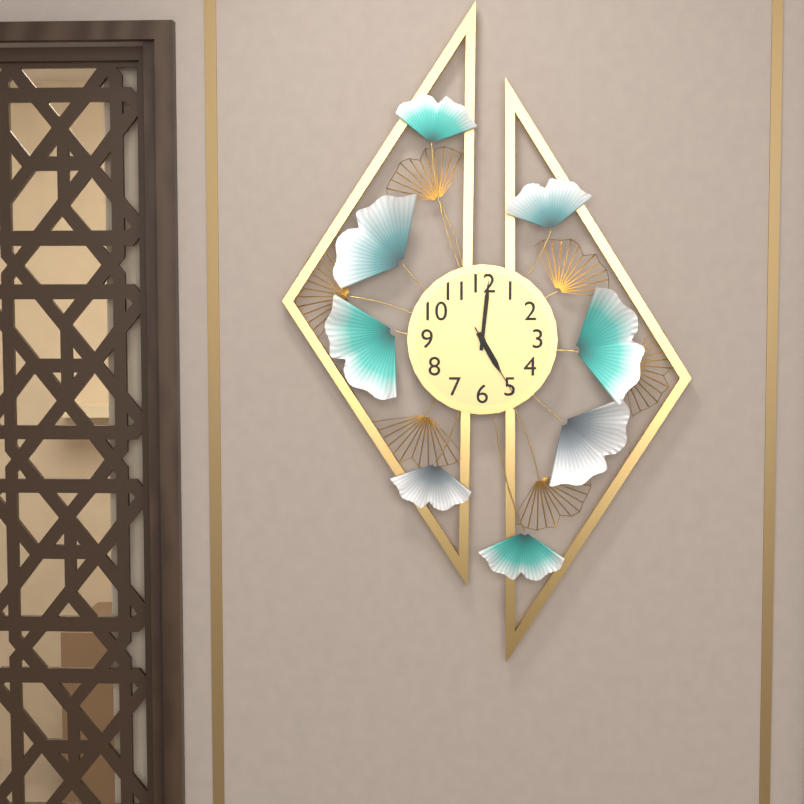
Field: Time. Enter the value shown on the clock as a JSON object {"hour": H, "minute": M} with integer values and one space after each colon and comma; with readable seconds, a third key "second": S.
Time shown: {"hour": 5, "minute": 1, "second": 25}
